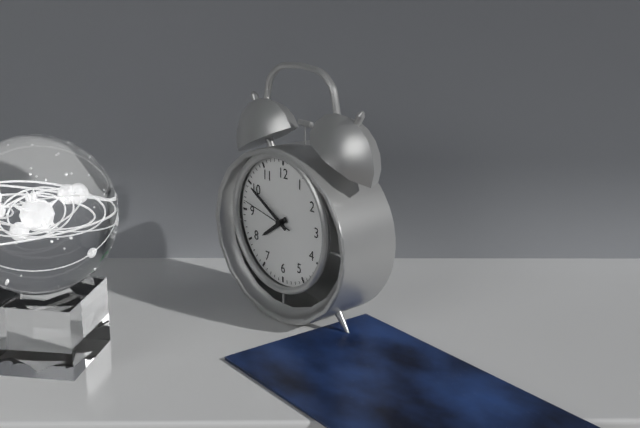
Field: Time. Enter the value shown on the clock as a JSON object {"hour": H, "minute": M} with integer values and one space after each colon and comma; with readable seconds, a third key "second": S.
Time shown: {"hour": 7, "minute": 50, "second": 47}
